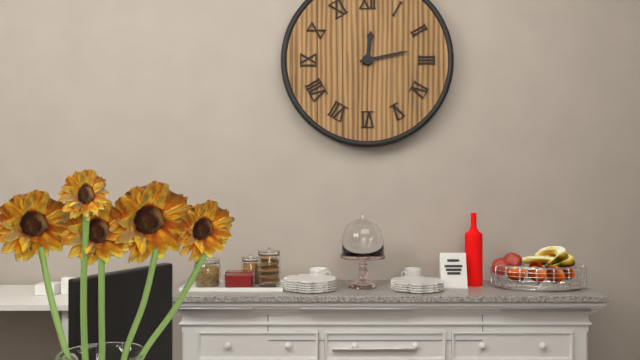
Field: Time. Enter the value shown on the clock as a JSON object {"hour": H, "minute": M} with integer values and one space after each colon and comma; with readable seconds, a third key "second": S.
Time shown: {"hour": 12, "minute": 13}
